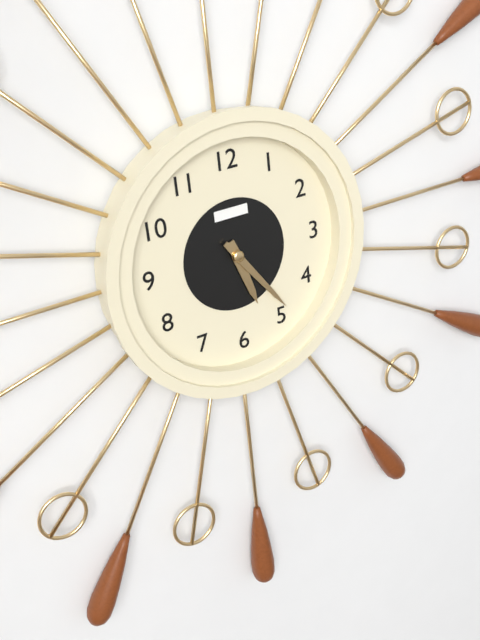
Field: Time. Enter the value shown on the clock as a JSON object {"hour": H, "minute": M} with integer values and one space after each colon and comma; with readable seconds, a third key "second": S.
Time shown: {"hour": 5, "minute": 24}
